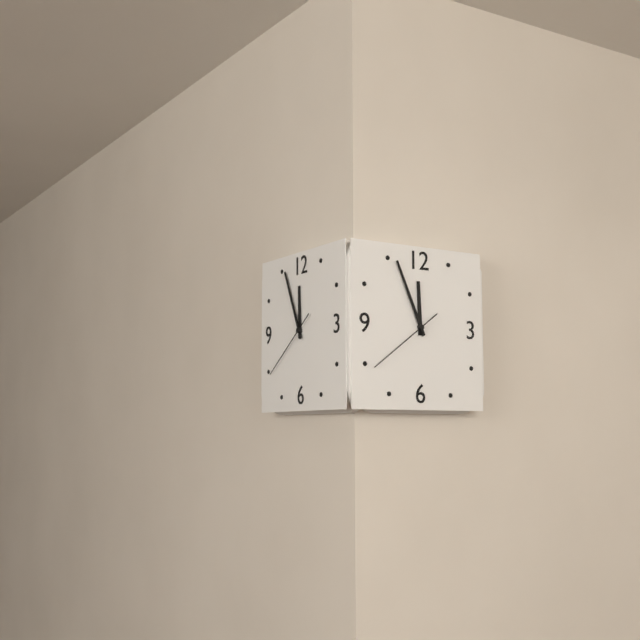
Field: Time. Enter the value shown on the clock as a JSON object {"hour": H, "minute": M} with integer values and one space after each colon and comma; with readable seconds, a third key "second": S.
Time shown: {"hour": 11, "minute": 56, "second": 39}
